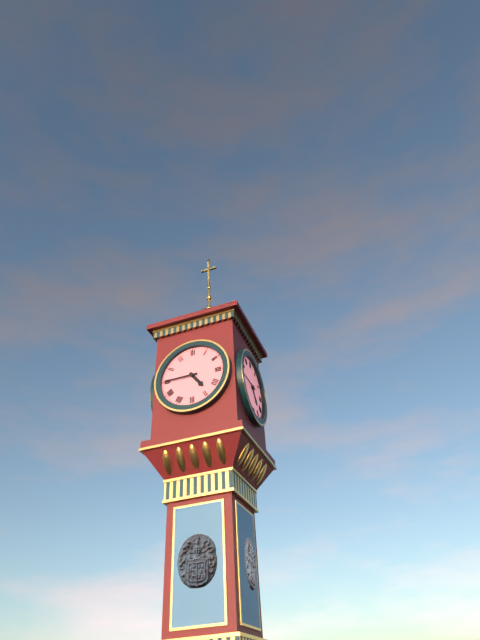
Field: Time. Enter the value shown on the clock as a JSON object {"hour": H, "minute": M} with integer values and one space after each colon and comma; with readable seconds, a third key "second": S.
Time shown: {"hour": 4, "minute": 45}
